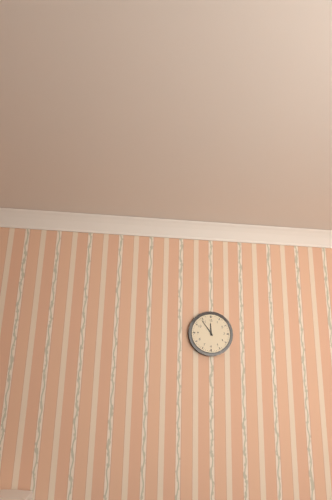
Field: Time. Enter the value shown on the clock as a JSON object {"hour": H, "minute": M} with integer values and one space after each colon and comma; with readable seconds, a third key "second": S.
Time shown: {"hour": 11, "minute": 54}
